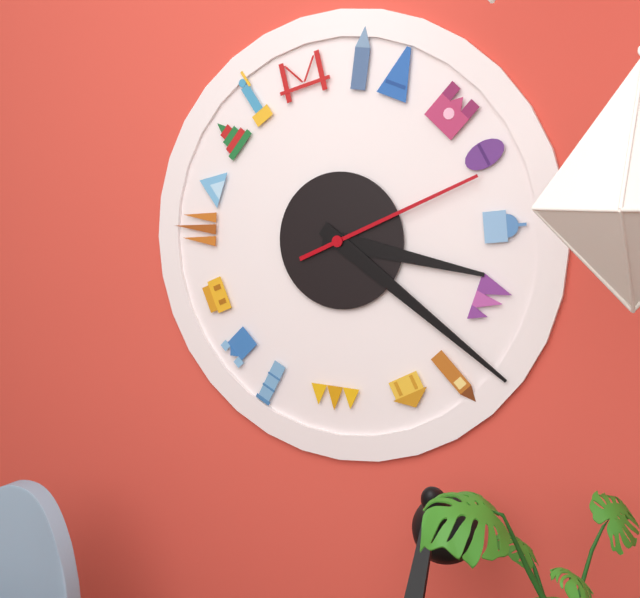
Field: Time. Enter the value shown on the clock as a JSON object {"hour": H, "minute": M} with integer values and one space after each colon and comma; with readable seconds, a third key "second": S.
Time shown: {"hour": 3, "minute": 21, "second": 11}
